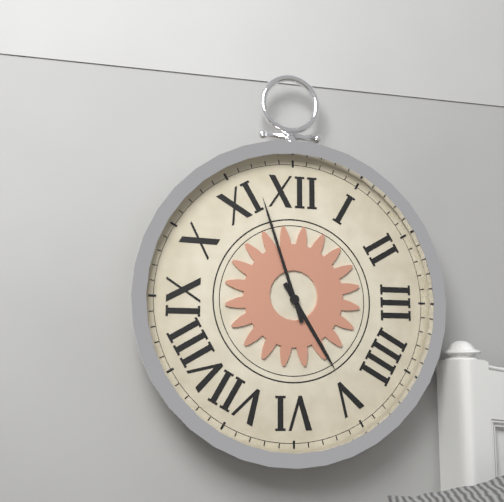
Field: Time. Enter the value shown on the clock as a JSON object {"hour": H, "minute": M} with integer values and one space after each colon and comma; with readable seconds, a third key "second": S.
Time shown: {"hour": 4, "minute": 57}
